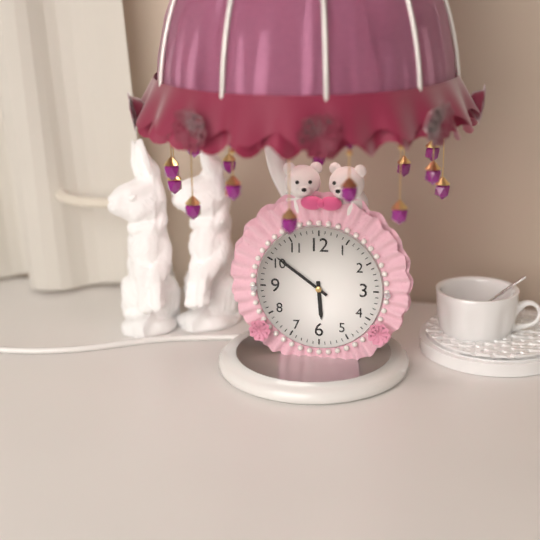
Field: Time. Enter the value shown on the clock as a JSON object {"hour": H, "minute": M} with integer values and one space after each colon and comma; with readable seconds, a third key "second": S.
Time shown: {"hour": 5, "minute": 51}
